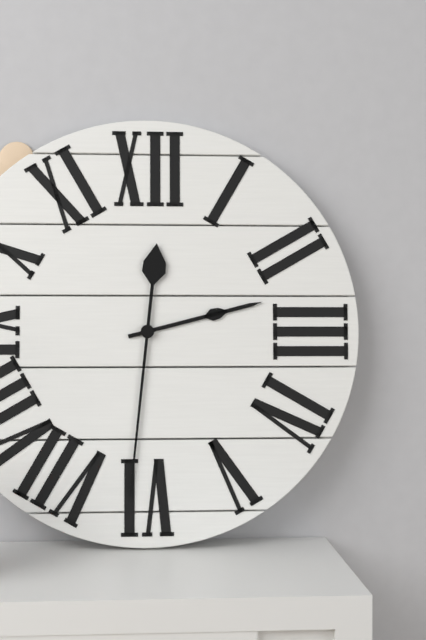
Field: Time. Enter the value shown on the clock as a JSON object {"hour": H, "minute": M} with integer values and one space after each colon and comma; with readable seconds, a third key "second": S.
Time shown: {"hour": 2, "minute": 31}
